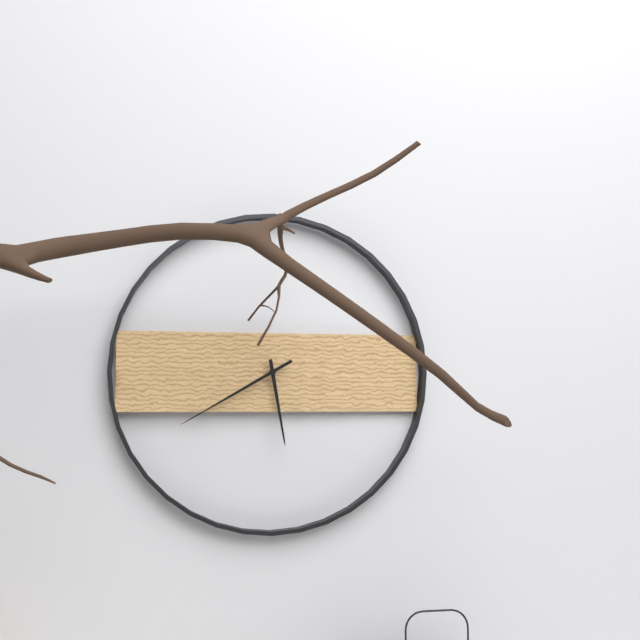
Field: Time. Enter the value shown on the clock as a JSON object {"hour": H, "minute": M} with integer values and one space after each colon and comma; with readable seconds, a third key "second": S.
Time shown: {"hour": 5, "minute": 40}
